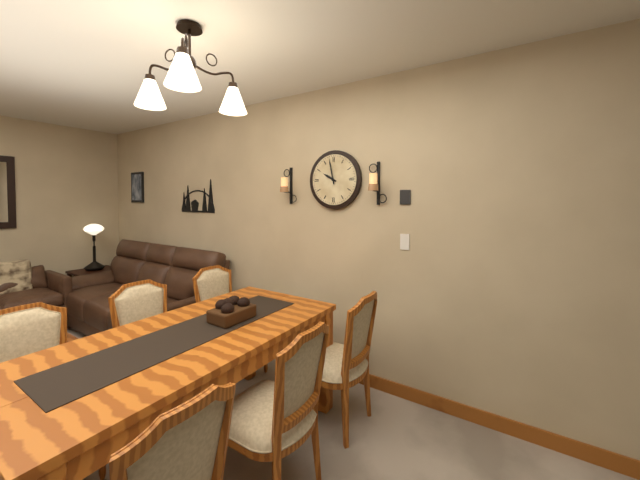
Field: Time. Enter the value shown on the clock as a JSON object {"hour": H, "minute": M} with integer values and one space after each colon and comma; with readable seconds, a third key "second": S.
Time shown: {"hour": 9, "minute": 58}
